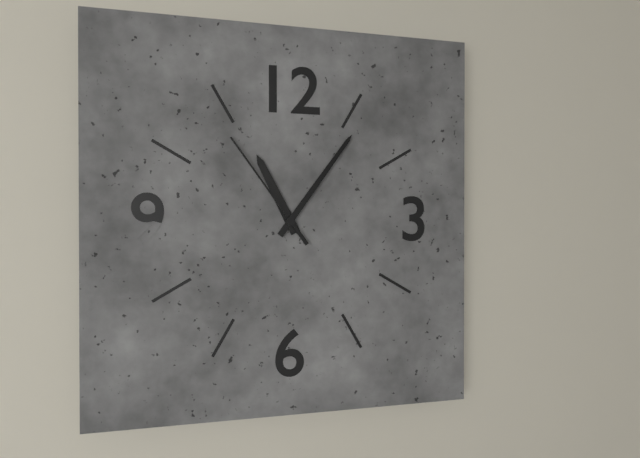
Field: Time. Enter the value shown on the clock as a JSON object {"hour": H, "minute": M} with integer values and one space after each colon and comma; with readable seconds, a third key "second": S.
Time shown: {"hour": 11, "minute": 6, "second": 54}
